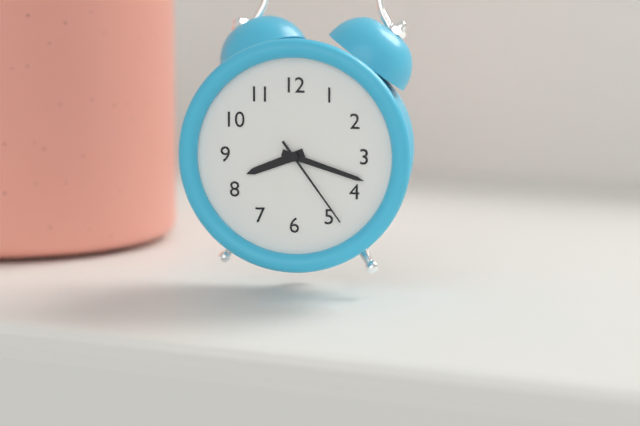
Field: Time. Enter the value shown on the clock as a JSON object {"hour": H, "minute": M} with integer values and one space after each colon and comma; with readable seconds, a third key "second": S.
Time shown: {"hour": 8, "minute": 18, "second": 24}
